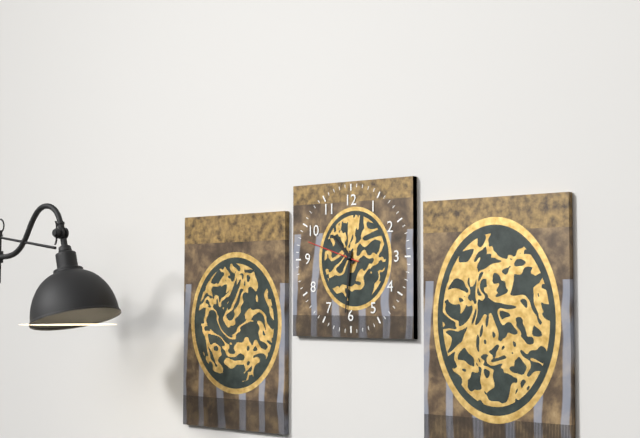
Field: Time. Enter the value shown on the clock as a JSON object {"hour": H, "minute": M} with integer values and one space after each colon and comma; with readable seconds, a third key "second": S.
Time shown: {"hour": 10, "minute": 31, "second": 48}
